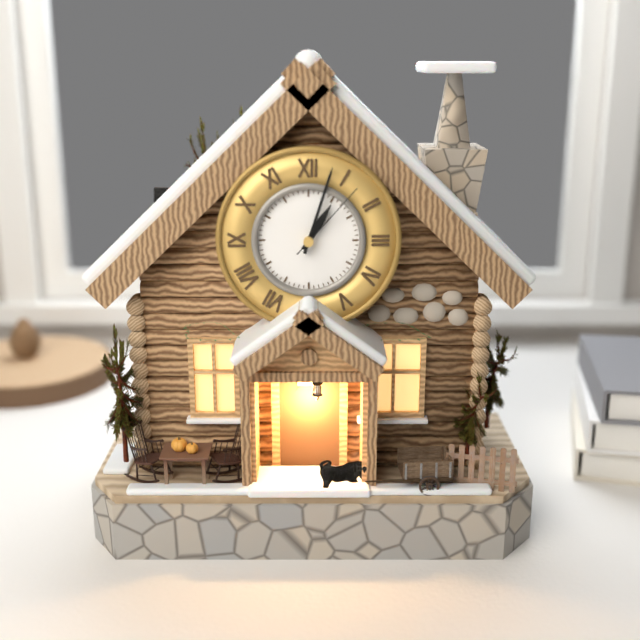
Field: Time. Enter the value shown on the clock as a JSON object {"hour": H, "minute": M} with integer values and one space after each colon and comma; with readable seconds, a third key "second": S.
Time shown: {"hour": 1, "minute": 3, "second": 7}
